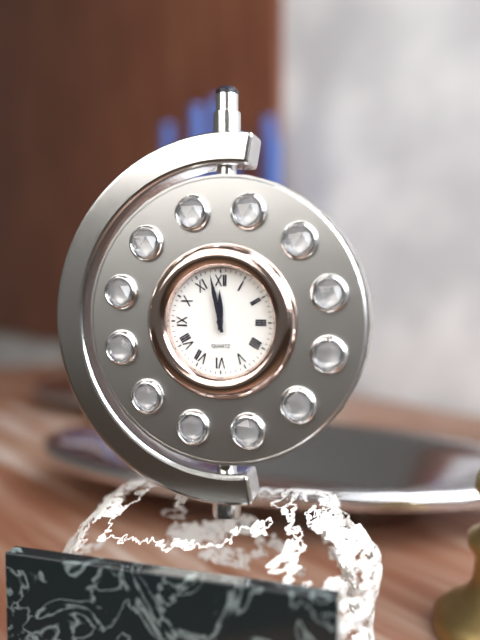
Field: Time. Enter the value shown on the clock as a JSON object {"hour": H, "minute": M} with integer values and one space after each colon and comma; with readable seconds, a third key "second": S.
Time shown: {"hour": 11, "minute": 58}
